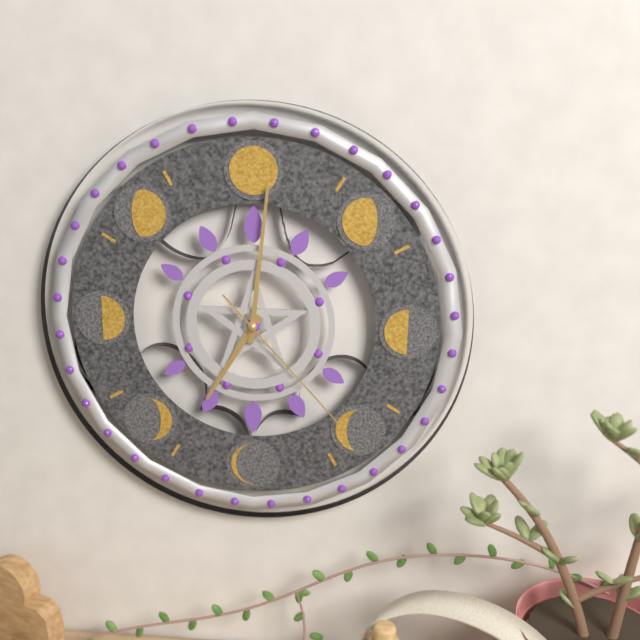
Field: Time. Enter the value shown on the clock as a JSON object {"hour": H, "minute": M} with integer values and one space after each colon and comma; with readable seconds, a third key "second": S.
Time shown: {"hour": 7, "minute": 1, "second": 23}
